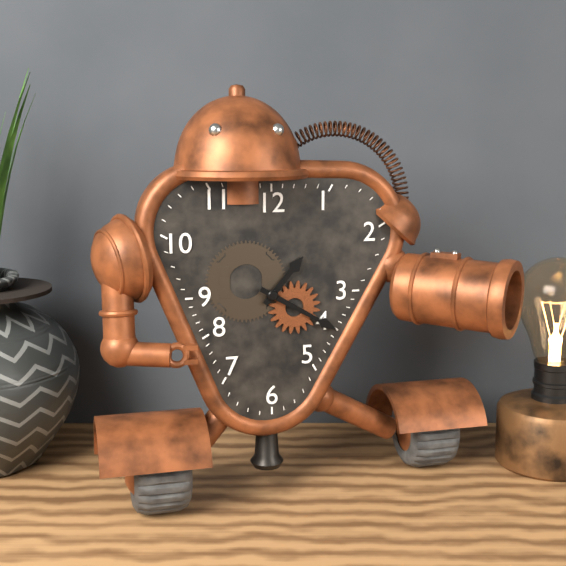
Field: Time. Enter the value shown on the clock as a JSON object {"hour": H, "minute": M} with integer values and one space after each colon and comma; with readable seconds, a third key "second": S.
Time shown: {"hour": 1, "minute": 20}
